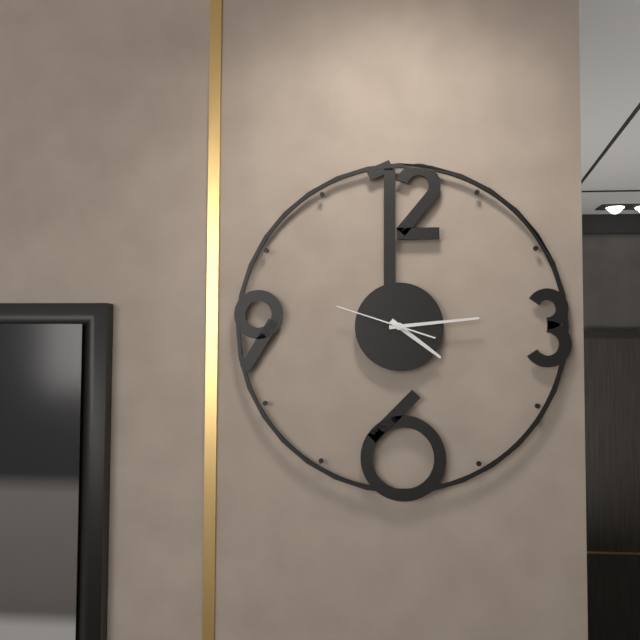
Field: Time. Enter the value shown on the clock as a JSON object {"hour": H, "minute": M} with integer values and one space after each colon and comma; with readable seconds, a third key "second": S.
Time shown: {"hour": 4, "minute": 14, "second": 48}
